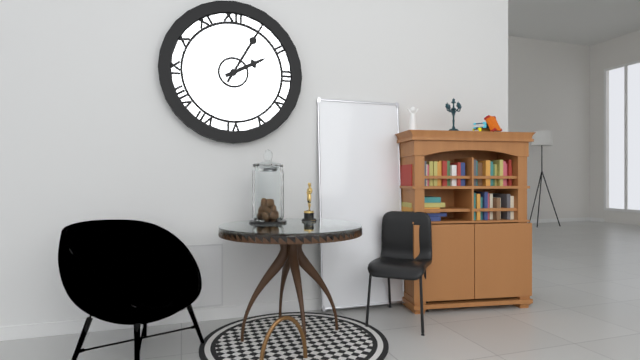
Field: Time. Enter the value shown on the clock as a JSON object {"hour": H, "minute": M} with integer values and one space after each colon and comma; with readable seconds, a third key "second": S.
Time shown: {"hour": 2, "minute": 5}
